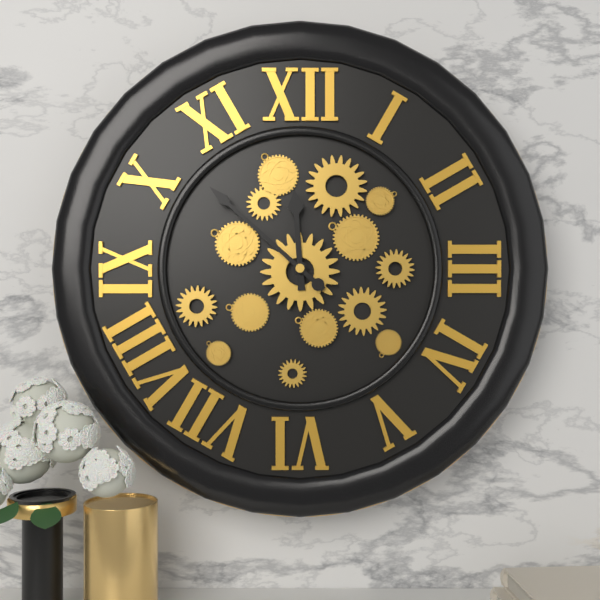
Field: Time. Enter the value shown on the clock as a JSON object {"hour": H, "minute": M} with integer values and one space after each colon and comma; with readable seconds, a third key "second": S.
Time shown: {"hour": 11, "minute": 52}
